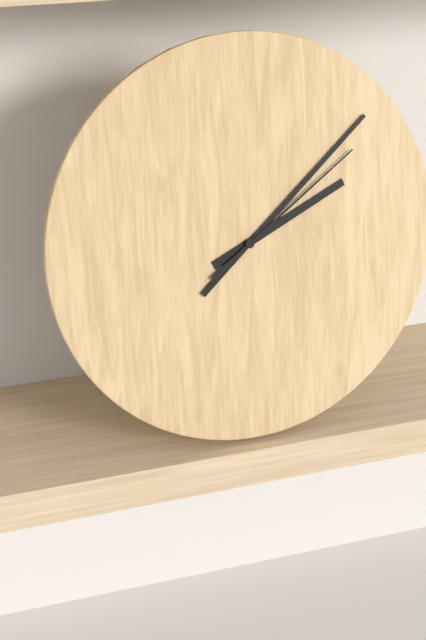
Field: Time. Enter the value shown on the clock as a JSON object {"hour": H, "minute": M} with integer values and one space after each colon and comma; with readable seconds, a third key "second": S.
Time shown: {"hour": 2, "minute": 8, "second": 9}
